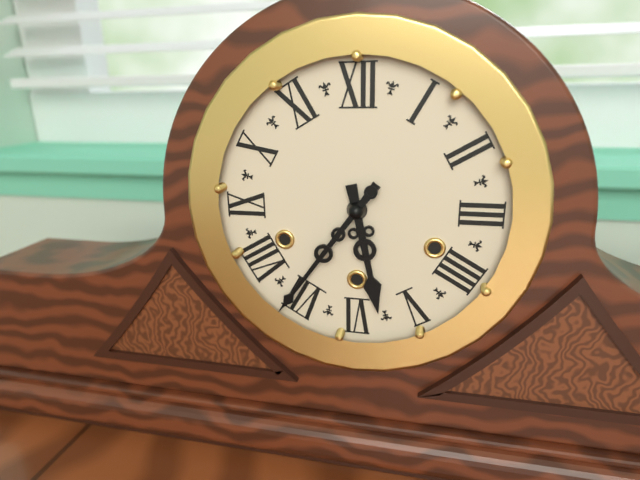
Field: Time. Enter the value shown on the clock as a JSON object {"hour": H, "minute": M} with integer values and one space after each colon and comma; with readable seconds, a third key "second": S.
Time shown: {"hour": 5, "minute": 36}
